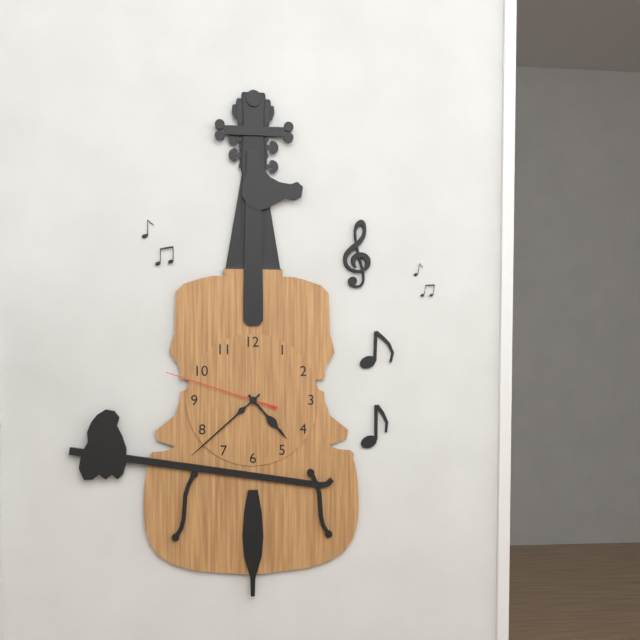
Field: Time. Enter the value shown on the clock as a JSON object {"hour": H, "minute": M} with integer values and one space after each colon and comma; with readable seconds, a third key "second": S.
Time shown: {"hour": 4, "minute": 38, "second": 48}
